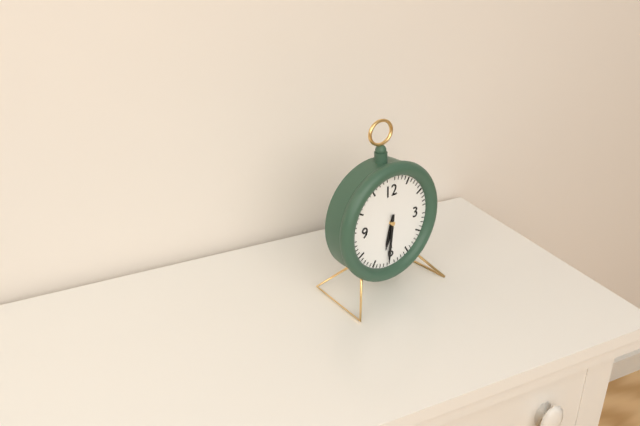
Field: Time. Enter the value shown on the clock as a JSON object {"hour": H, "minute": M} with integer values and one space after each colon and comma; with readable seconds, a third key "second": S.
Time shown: {"hour": 6, "minute": 31}
